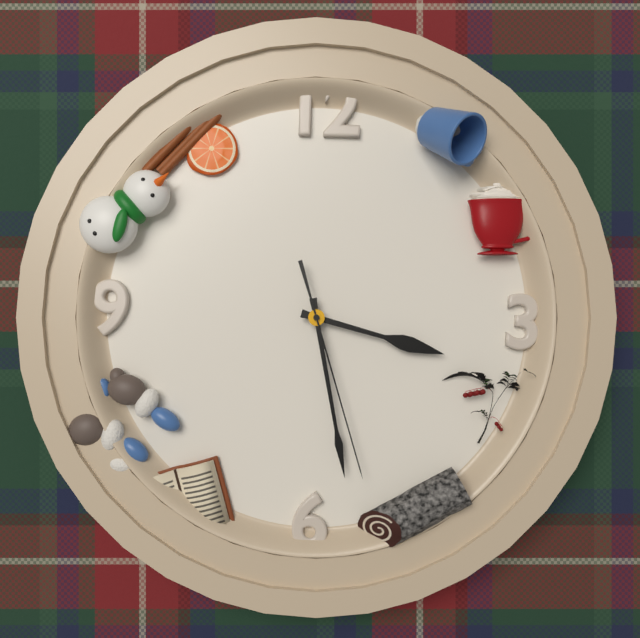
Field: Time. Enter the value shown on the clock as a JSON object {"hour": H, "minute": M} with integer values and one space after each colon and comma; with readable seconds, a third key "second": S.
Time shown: {"hour": 3, "minute": 28, "second": 27}
